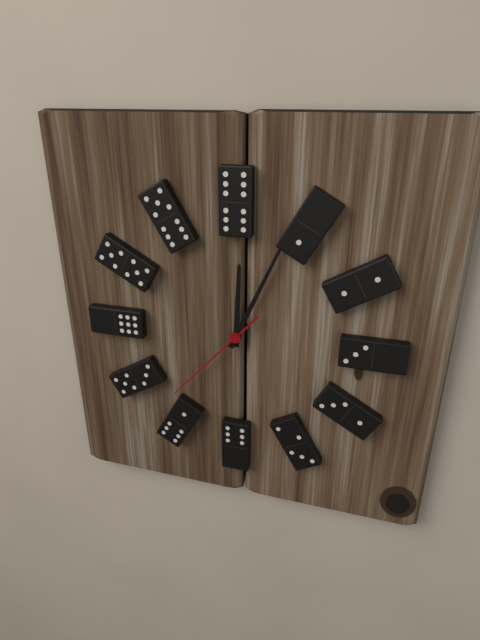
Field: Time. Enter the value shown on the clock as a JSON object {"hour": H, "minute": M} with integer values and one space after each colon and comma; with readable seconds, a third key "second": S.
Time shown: {"hour": 12, "minute": 4, "second": 37}
